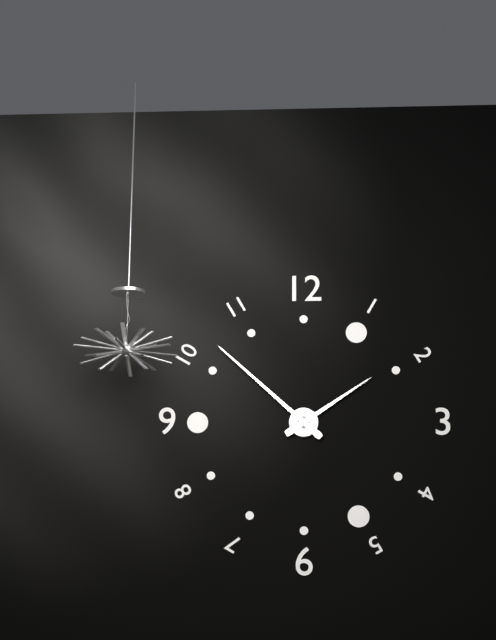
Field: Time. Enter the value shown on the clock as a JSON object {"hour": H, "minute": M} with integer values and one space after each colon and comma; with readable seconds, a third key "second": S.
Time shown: {"hour": 1, "minute": 52}
